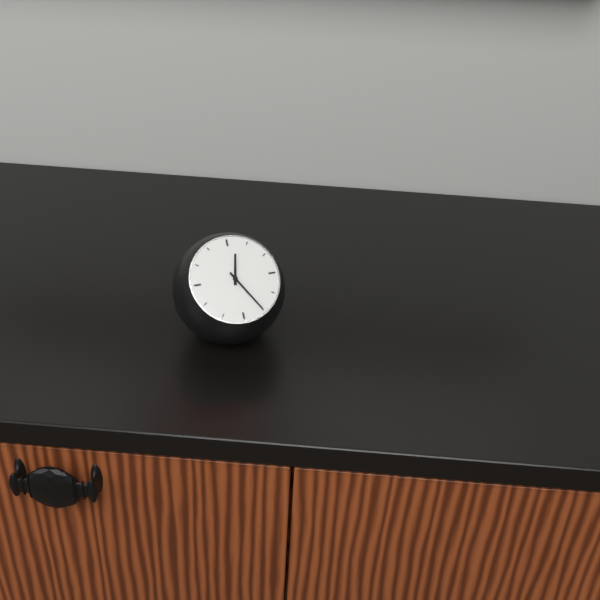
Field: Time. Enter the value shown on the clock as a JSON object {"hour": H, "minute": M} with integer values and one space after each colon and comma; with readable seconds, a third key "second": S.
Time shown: {"hour": 12, "minute": 25}
